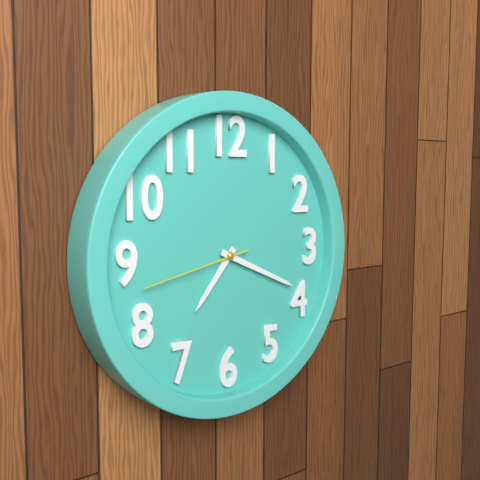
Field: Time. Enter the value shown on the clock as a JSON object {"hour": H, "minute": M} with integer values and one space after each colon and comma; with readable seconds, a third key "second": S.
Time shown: {"hour": 7, "minute": 19, "second": 43}
